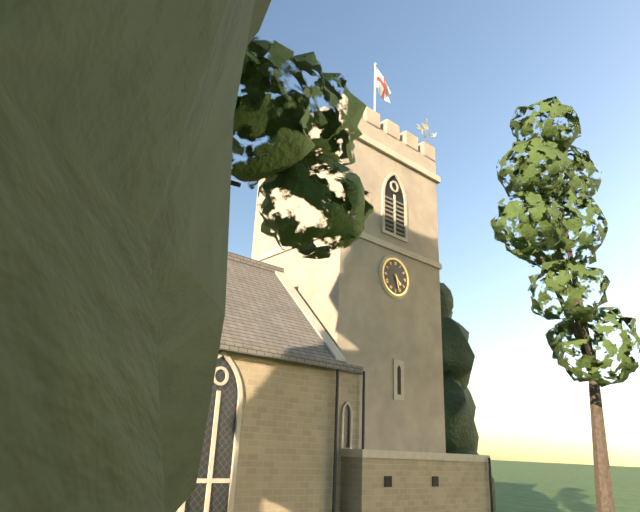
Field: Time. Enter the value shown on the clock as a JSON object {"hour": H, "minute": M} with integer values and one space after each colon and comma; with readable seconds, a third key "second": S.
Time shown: {"hour": 4, "minute": 27}
